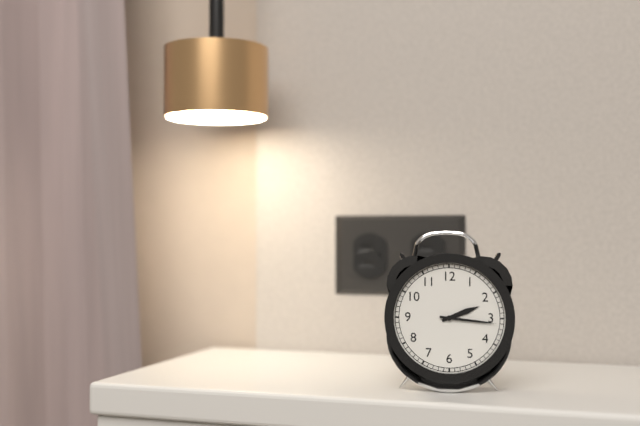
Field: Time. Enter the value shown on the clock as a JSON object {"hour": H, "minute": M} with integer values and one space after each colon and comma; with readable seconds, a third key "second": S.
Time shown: {"hour": 2, "minute": 16}
